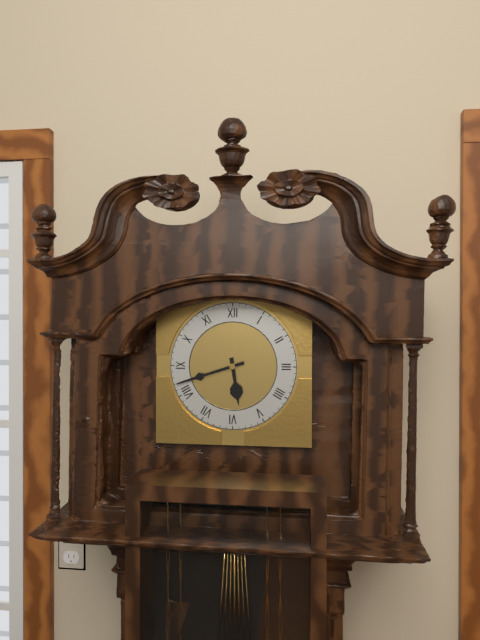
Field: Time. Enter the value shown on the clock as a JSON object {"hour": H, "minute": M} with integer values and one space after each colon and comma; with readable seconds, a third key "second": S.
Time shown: {"hour": 5, "minute": 42}
